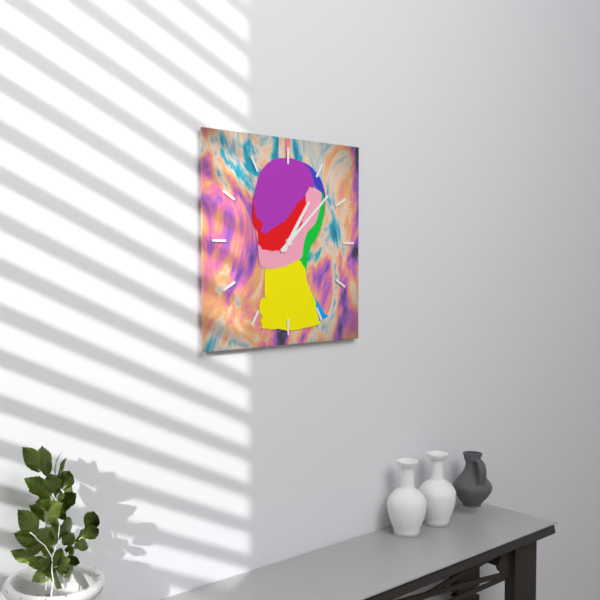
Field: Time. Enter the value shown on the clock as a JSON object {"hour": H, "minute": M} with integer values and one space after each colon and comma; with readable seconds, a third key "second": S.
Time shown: {"hour": 1, "minute": 8}
